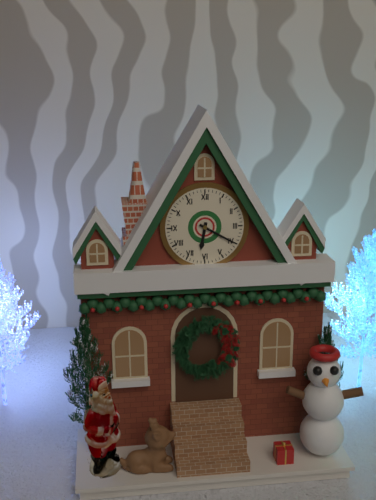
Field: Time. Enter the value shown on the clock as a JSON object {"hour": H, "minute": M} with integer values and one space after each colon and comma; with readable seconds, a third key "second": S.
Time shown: {"hour": 6, "minute": 20}
